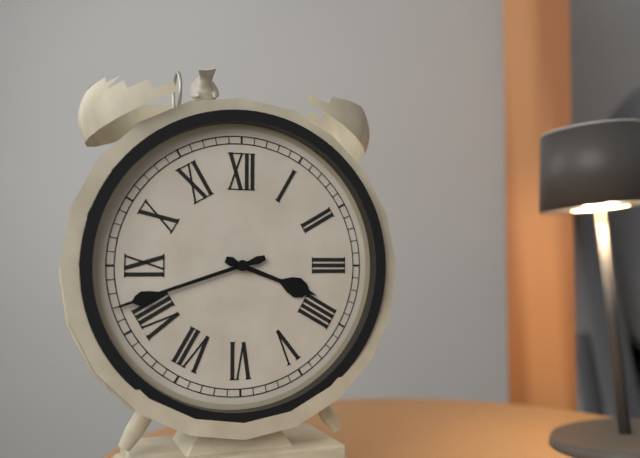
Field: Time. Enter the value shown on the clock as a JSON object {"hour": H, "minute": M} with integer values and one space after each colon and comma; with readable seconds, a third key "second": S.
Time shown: {"hour": 3, "minute": 42}
